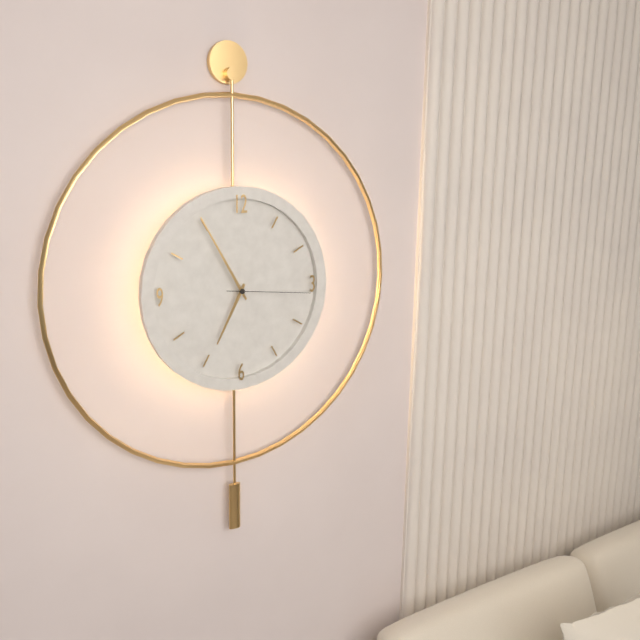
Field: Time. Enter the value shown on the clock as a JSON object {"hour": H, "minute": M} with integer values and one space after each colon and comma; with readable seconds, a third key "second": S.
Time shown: {"hour": 6, "minute": 55, "second": 16}
